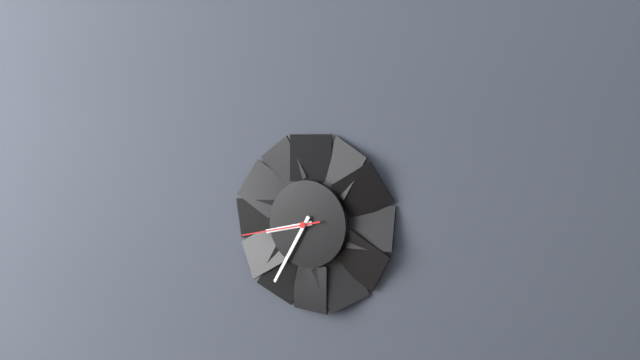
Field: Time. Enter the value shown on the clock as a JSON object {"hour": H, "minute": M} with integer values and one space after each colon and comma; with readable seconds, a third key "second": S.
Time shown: {"hour": 8, "minute": 35, "second": 43}
